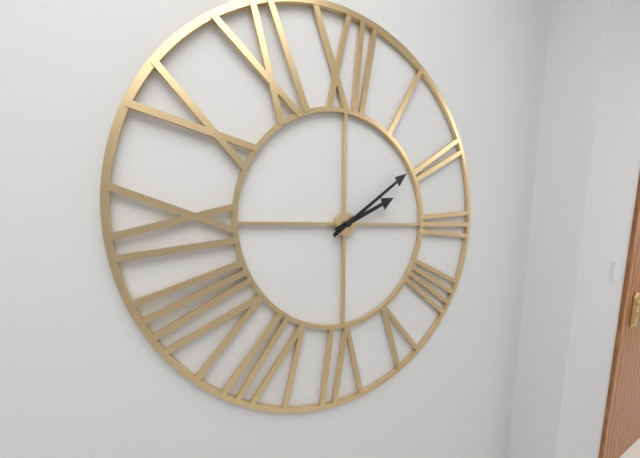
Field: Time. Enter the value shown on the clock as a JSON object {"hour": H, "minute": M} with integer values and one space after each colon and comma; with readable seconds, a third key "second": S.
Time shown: {"hour": 2, "minute": 9}
